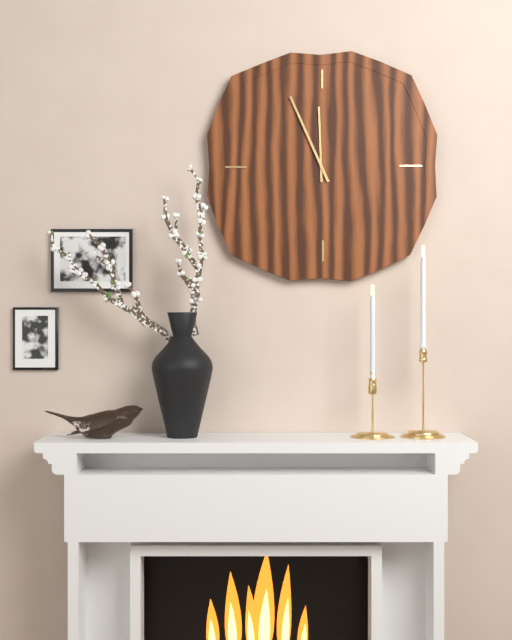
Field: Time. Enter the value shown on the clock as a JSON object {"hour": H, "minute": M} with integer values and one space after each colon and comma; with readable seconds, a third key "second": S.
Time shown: {"hour": 11, "minute": 56}
